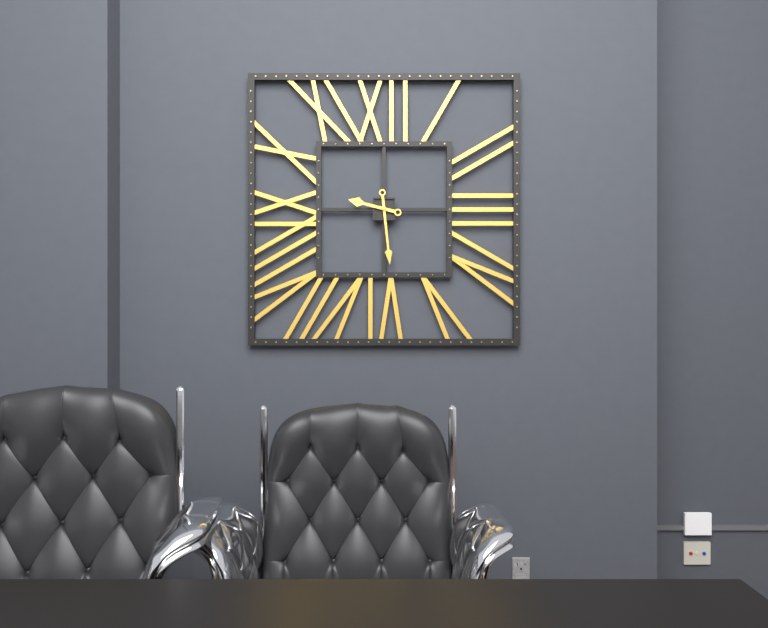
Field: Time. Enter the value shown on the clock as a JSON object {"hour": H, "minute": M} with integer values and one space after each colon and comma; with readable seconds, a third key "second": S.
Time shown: {"hour": 9, "minute": 29}
